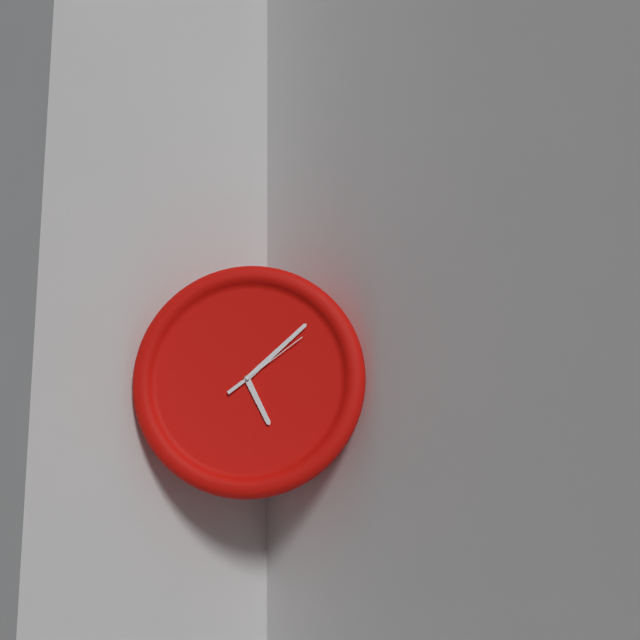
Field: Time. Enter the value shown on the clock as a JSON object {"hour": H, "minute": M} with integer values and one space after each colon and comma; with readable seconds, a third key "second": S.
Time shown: {"hour": 5, "minute": 8, "second": 9}
